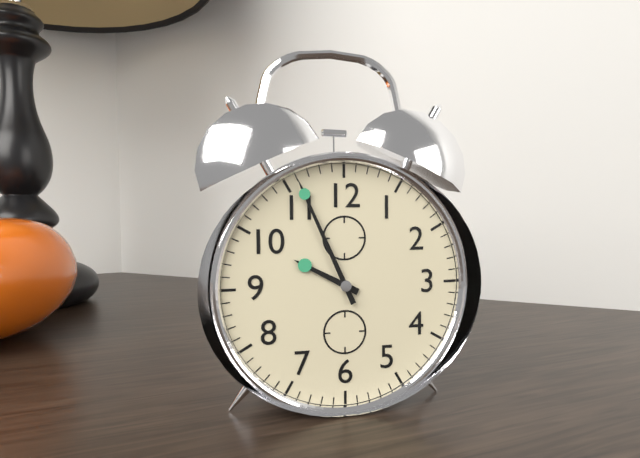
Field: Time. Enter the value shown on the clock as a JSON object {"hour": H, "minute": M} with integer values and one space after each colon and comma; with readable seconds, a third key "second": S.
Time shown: {"hour": 9, "minute": 56}
